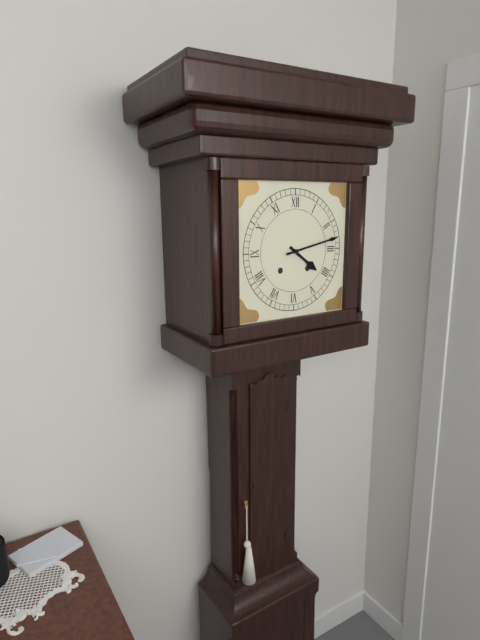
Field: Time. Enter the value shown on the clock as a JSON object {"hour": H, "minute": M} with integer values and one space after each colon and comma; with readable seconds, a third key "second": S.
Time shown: {"hour": 4, "minute": 13}
